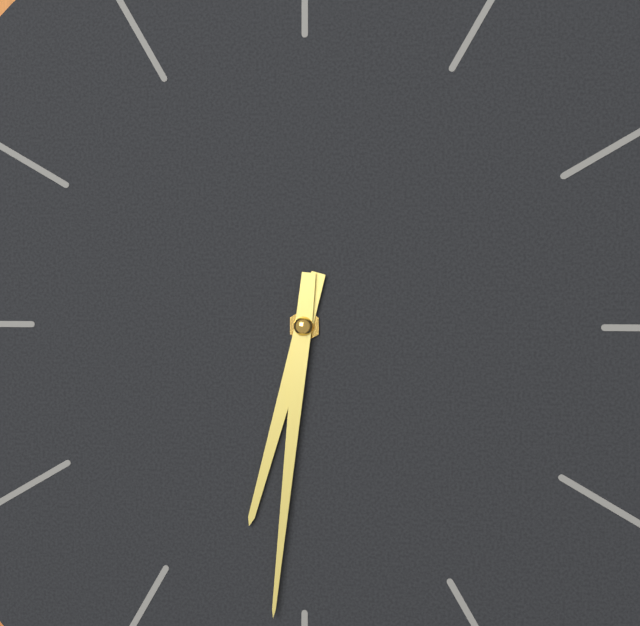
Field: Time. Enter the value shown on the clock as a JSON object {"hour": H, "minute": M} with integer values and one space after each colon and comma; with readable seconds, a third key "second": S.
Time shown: {"hour": 6, "minute": 31}
